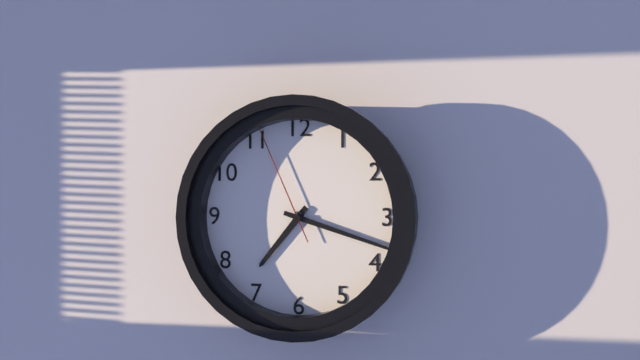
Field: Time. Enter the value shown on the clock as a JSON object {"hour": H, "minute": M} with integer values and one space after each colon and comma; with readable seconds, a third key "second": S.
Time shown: {"hour": 7, "minute": 18, "second": 56}
